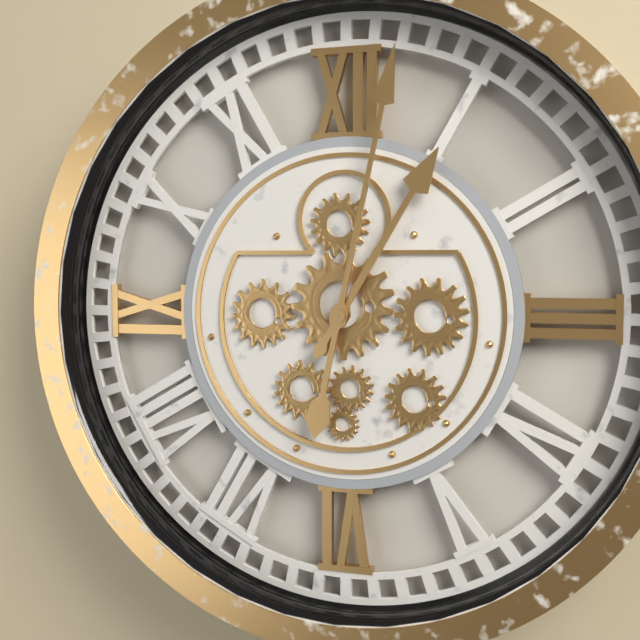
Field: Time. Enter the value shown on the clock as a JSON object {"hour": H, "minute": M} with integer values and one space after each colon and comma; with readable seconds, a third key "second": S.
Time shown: {"hour": 1, "minute": 2}
